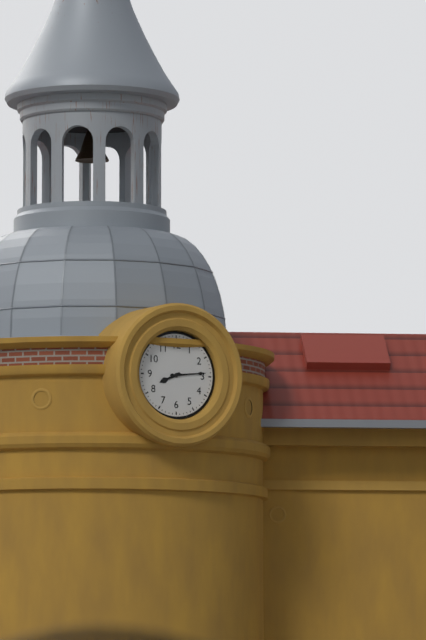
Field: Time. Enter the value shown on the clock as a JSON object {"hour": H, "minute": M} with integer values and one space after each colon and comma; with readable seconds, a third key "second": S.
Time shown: {"hour": 8, "minute": 14}
